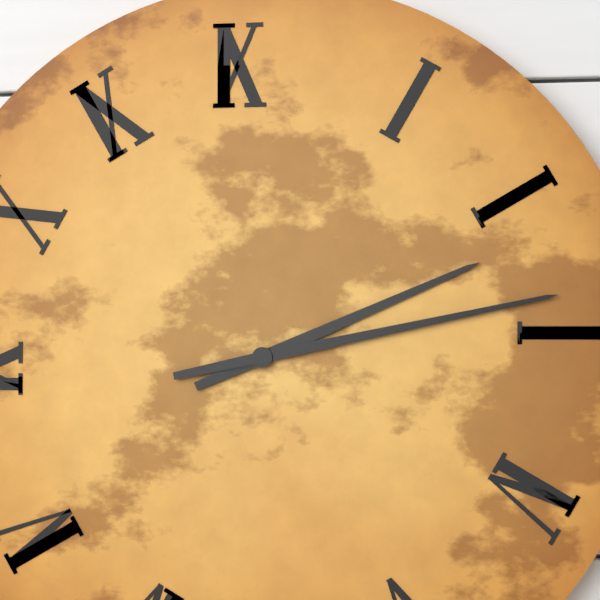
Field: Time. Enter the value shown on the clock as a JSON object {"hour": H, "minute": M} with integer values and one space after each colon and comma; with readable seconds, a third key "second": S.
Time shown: {"hour": 2, "minute": 13}
